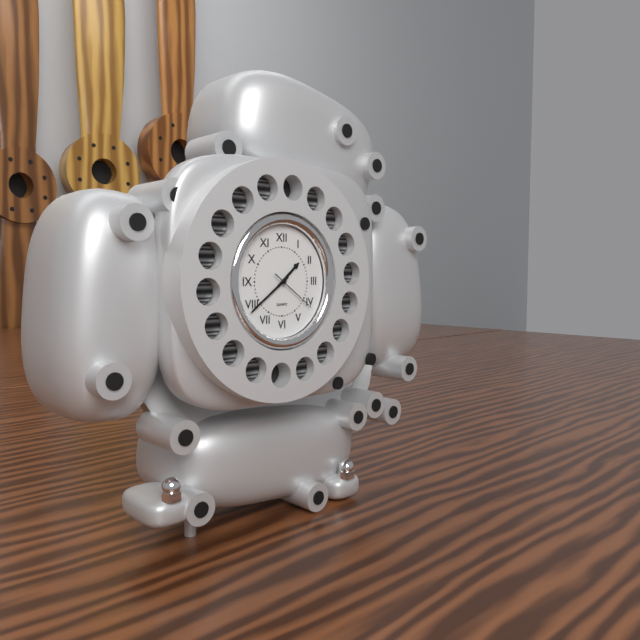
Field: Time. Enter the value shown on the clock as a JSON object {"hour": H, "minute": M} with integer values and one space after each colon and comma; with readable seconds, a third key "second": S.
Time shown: {"hour": 1, "minute": 39}
